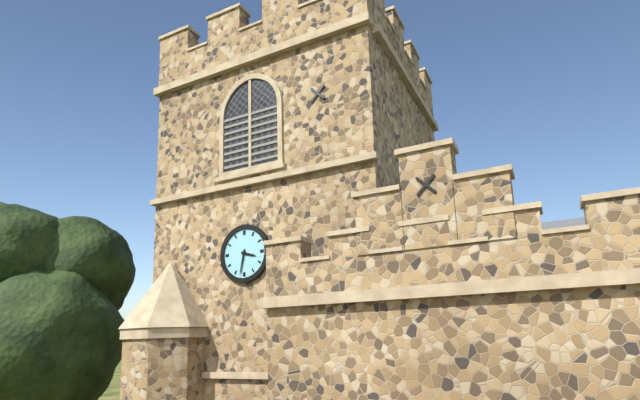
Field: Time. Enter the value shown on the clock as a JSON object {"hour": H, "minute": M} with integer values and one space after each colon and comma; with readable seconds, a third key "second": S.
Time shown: {"hour": 3, "minute": 32}
